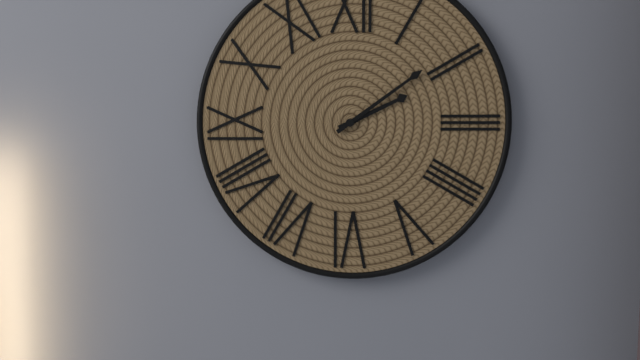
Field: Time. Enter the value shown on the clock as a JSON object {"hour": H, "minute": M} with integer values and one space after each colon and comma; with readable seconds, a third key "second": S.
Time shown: {"hour": 2, "minute": 9}
